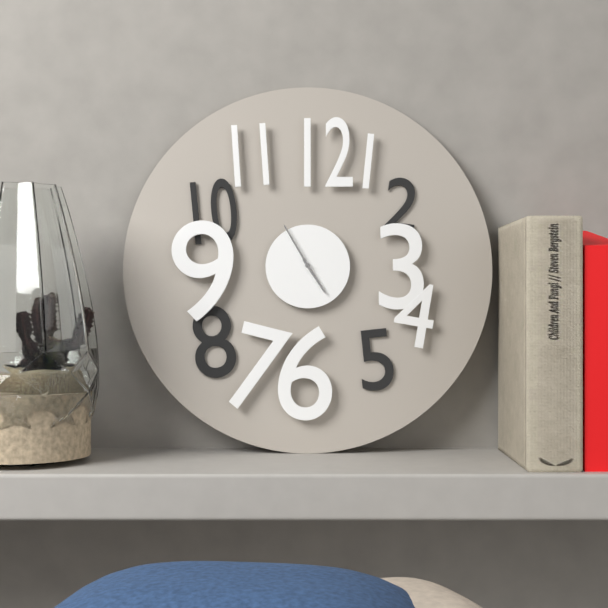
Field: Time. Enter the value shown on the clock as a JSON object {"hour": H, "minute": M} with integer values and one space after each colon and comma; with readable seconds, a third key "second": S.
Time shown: {"hour": 4, "minute": 55}
